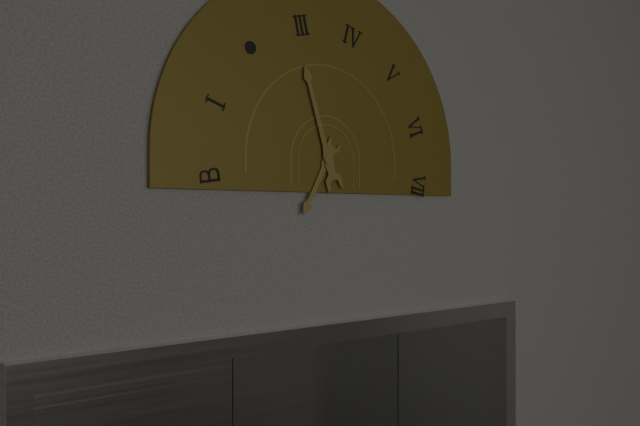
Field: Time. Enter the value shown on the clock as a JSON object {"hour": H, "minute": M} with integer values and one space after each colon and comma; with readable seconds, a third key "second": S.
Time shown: {"hour": 6, "minute": 57}
